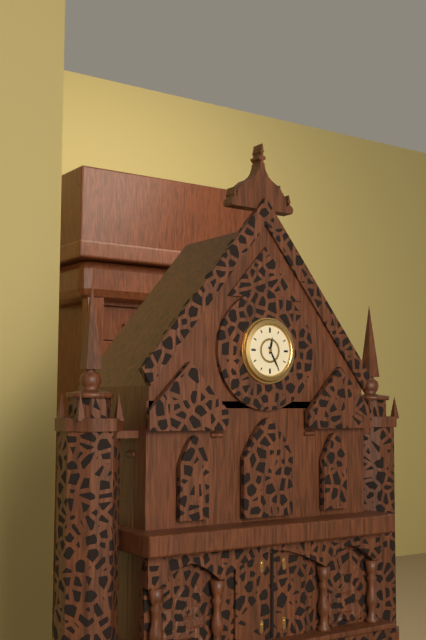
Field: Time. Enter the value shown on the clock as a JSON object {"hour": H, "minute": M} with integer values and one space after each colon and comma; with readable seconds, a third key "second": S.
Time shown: {"hour": 12, "minute": 25}
